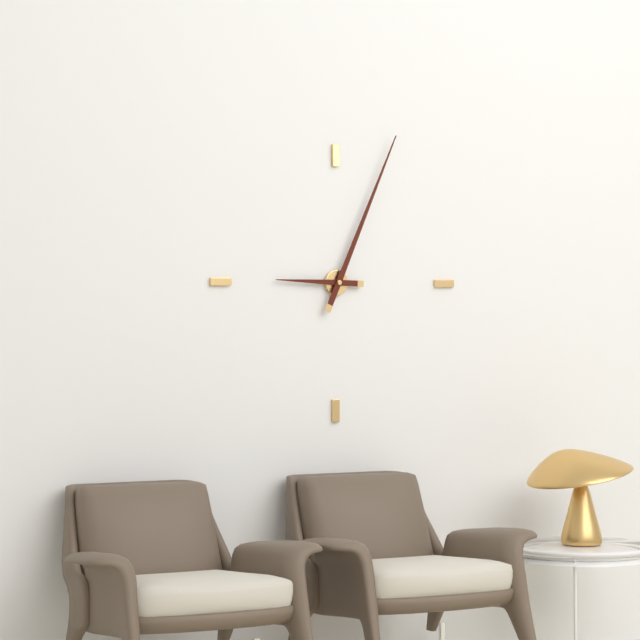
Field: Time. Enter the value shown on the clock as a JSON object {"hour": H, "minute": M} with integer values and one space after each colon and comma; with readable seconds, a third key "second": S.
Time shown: {"hour": 9, "minute": 4}
